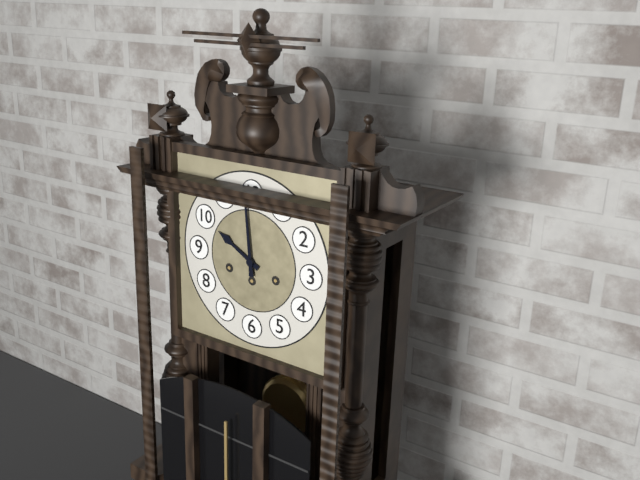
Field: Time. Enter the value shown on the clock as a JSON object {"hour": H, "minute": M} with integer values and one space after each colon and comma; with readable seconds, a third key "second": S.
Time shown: {"hour": 9, "minute": 59}
